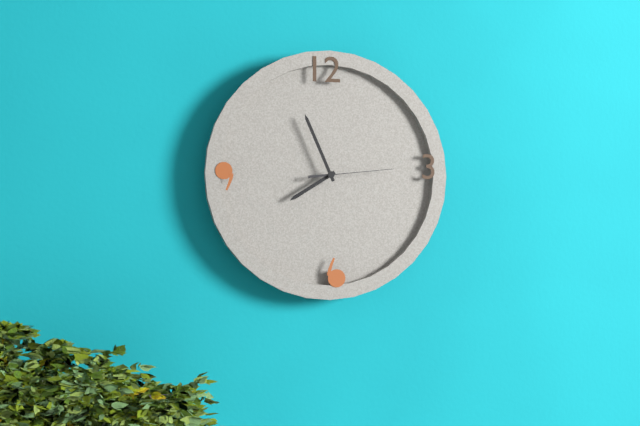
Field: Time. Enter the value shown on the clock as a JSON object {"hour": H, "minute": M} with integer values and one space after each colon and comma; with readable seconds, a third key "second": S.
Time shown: {"hour": 7, "minute": 56, "second": 14}
